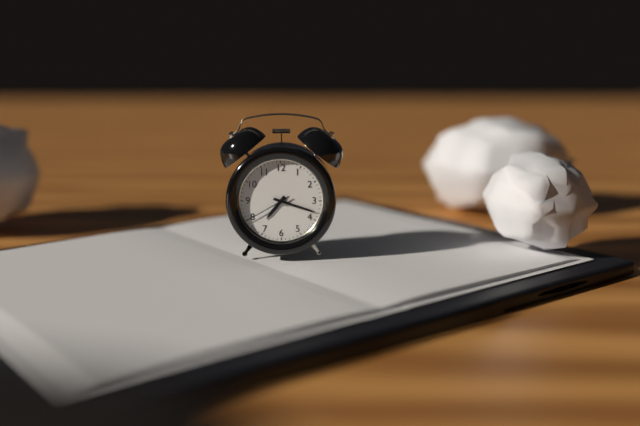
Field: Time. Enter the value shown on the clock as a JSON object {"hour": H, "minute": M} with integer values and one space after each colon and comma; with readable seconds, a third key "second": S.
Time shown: {"hour": 7, "minute": 18, "second": 40}
